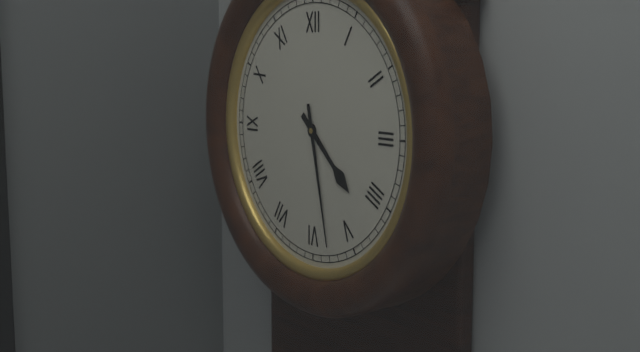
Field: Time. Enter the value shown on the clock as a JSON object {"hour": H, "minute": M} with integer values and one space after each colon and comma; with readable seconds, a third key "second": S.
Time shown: {"hour": 4, "minute": 28}
